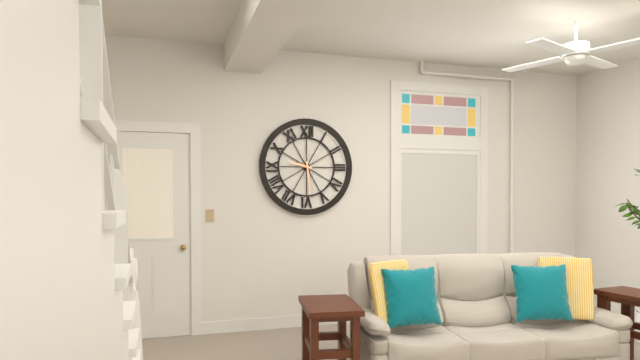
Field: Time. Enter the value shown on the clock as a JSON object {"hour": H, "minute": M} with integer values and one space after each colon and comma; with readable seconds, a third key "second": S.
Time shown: {"hour": 9, "minute": 29}
